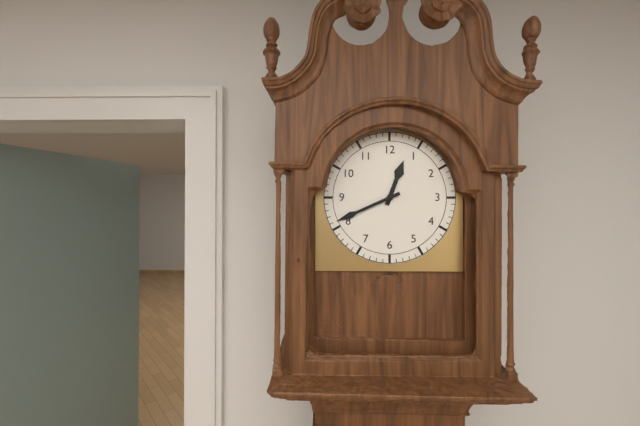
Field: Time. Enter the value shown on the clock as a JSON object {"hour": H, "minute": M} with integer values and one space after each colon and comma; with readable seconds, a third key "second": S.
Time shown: {"hour": 12, "minute": 41}
